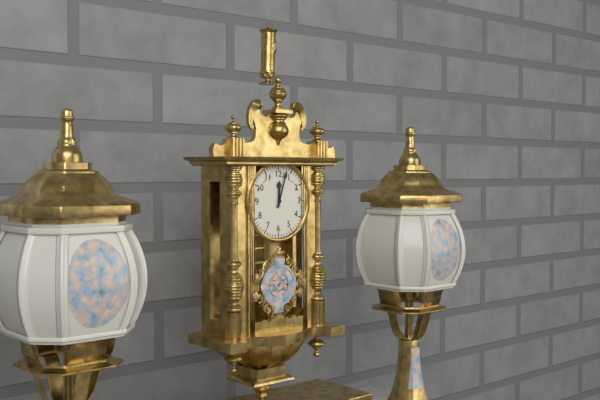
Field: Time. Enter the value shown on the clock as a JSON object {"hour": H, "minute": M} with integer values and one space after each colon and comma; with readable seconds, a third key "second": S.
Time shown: {"hour": 12, "minute": 3}
